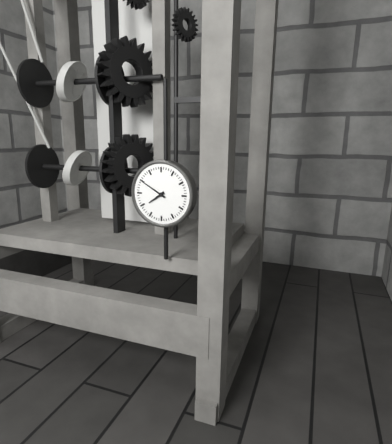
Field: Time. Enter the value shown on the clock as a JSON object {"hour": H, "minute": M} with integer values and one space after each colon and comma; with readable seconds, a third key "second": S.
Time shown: {"hour": 7, "minute": 50}
